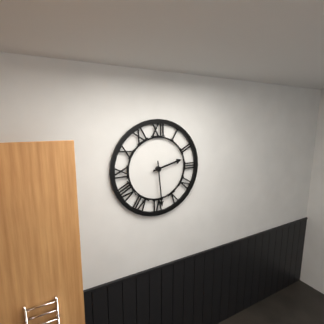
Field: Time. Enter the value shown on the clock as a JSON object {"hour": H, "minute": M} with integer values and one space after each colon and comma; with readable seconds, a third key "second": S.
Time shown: {"hour": 2, "minute": 29}
